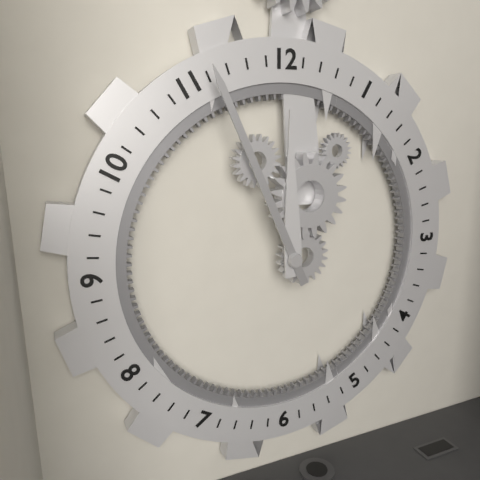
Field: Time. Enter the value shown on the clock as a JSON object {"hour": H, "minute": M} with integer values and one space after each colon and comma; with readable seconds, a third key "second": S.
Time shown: {"hour": 11, "minute": 56}
